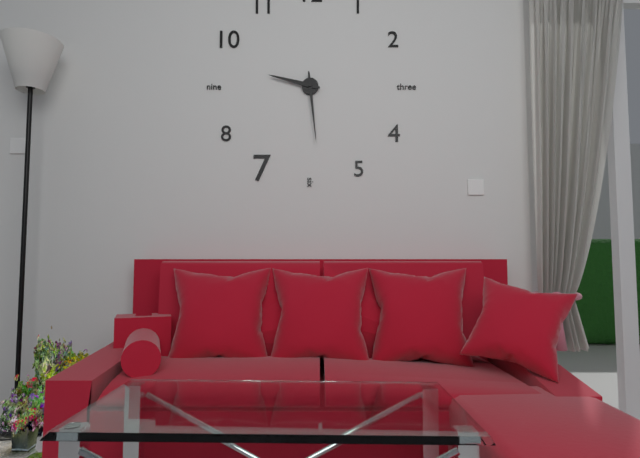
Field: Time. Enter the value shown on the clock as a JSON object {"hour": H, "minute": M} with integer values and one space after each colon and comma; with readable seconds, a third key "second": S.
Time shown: {"hour": 9, "minute": 29}
